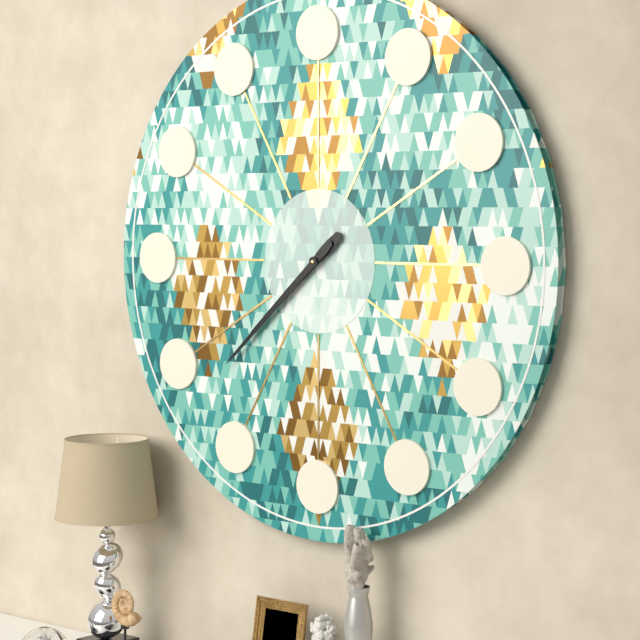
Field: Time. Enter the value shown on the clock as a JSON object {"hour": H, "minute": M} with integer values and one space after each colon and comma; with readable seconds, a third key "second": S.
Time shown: {"hour": 7, "minute": 38}
